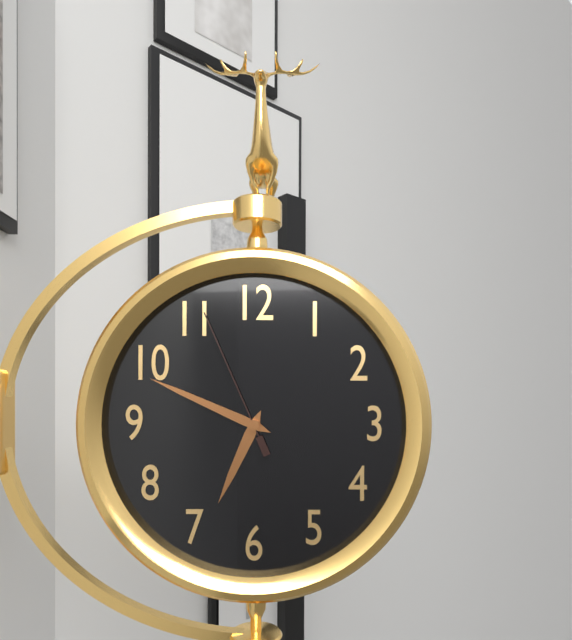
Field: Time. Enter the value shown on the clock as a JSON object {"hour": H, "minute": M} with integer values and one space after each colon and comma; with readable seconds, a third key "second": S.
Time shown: {"hour": 6, "minute": 49, "second": 56}
